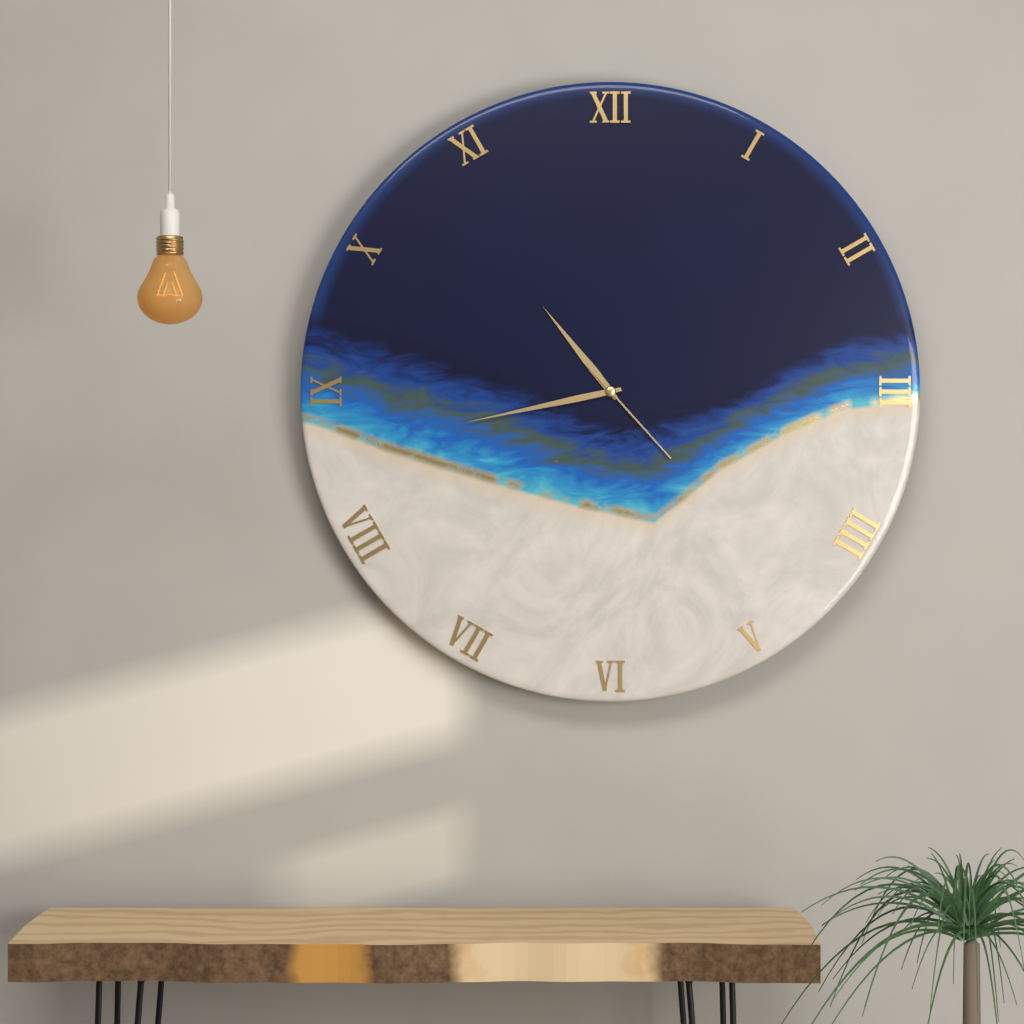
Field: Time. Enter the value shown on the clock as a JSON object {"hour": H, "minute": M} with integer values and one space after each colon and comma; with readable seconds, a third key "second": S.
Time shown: {"hour": 10, "minute": 43, "second": 23}
